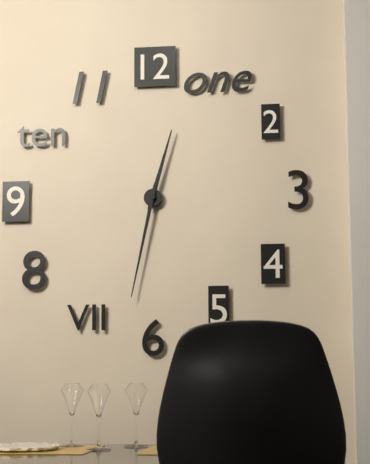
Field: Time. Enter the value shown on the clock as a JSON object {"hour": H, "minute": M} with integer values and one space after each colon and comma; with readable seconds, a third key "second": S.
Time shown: {"hour": 12, "minute": 32}
